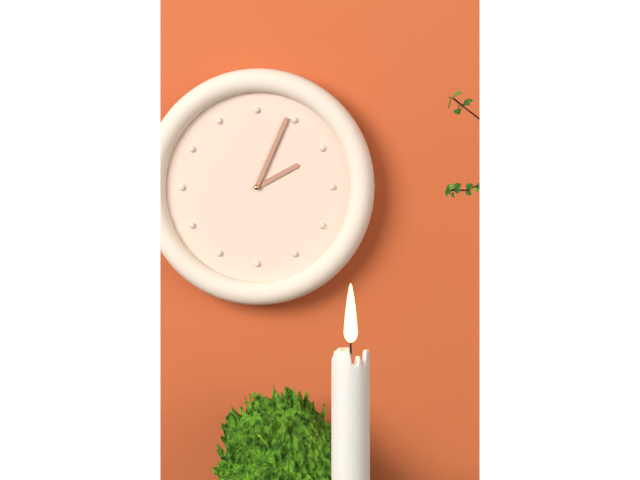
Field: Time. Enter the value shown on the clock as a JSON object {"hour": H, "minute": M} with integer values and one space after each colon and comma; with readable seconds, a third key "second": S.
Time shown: {"hour": 2, "minute": 4}
